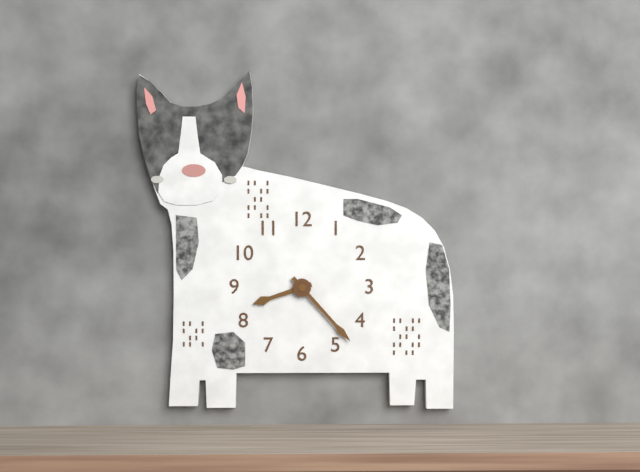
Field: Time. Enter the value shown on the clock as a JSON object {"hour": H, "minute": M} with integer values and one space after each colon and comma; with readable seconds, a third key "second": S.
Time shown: {"hour": 8, "minute": 23}
